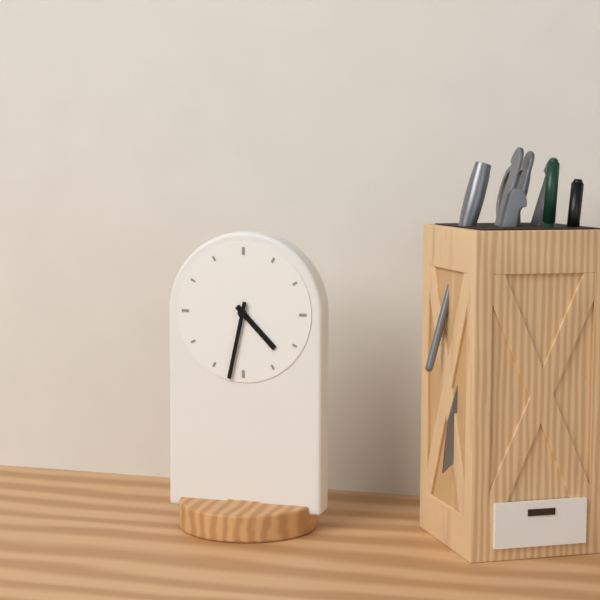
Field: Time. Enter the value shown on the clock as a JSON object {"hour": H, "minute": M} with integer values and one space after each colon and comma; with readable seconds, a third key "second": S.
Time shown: {"hour": 4, "minute": 32}
